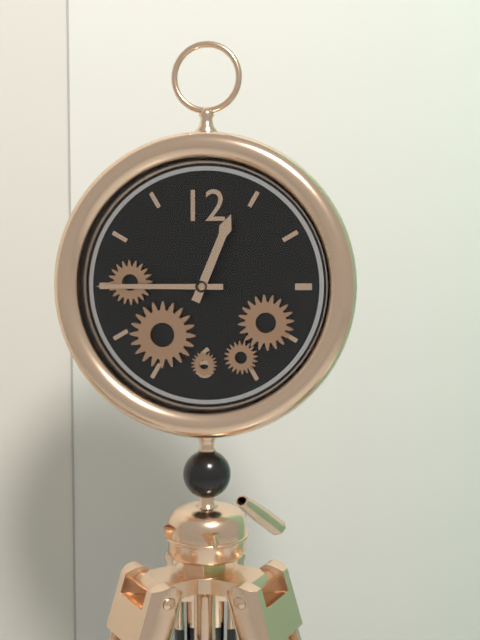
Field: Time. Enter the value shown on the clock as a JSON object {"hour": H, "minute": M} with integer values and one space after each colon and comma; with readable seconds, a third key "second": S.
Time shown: {"hour": 12, "minute": 45}
